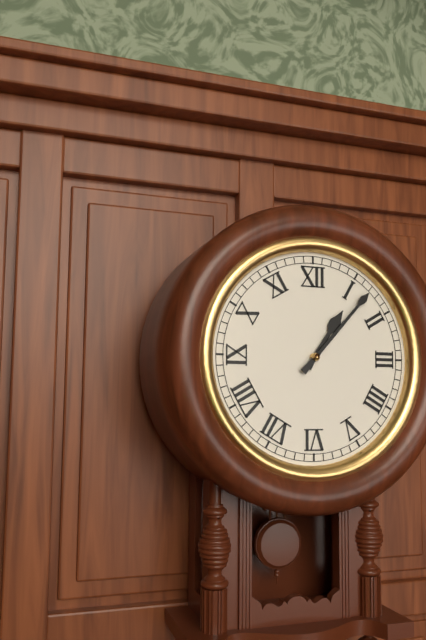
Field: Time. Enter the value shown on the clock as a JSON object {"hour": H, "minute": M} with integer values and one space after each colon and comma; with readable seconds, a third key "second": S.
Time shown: {"hour": 1, "minute": 7}
